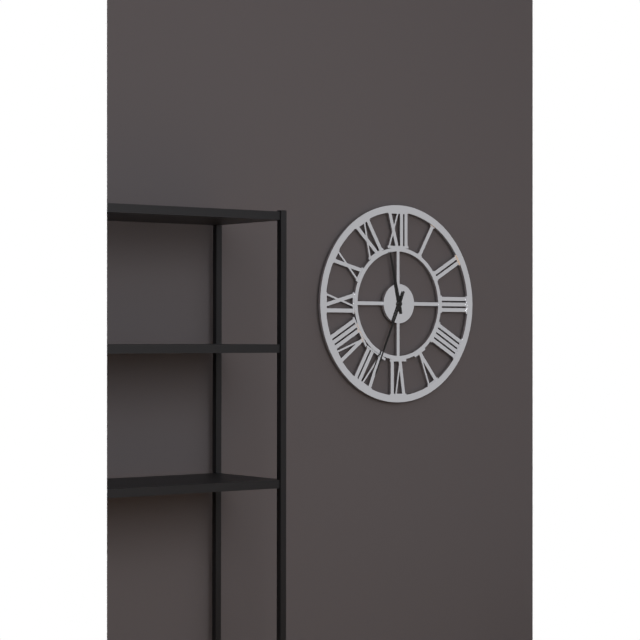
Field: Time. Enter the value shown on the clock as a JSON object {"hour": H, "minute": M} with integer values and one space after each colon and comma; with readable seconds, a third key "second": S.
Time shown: {"hour": 11, "minute": 34}
